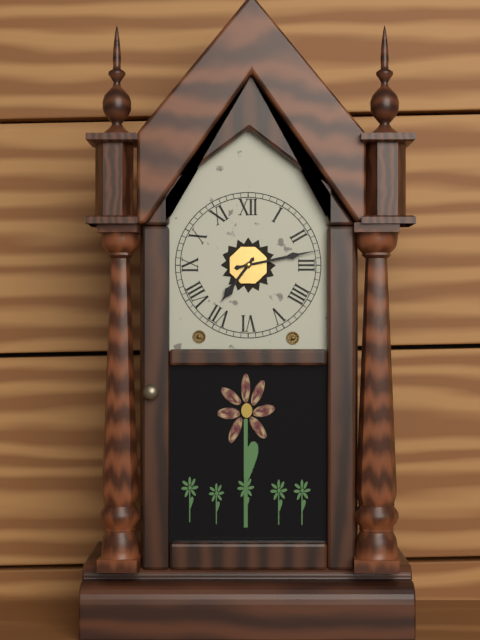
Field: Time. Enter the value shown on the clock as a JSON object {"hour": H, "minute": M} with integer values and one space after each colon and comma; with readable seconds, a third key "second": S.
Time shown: {"hour": 7, "minute": 13}
